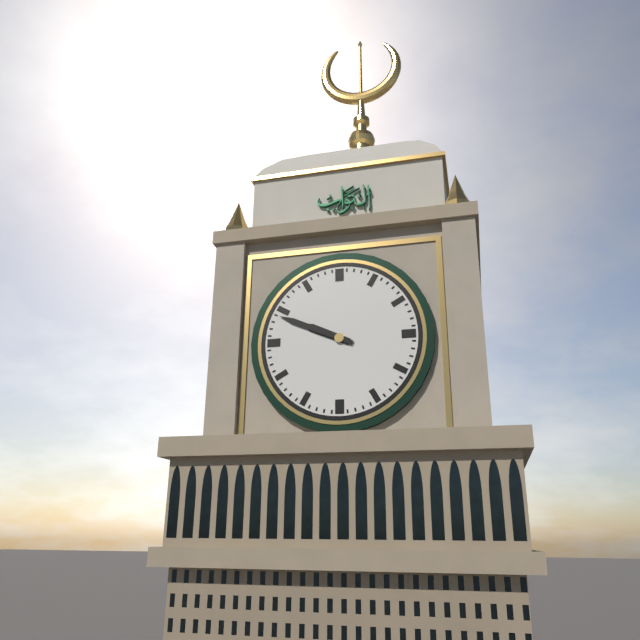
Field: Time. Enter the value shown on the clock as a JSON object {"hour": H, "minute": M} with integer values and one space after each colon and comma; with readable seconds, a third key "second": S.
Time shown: {"hour": 9, "minute": 49}
